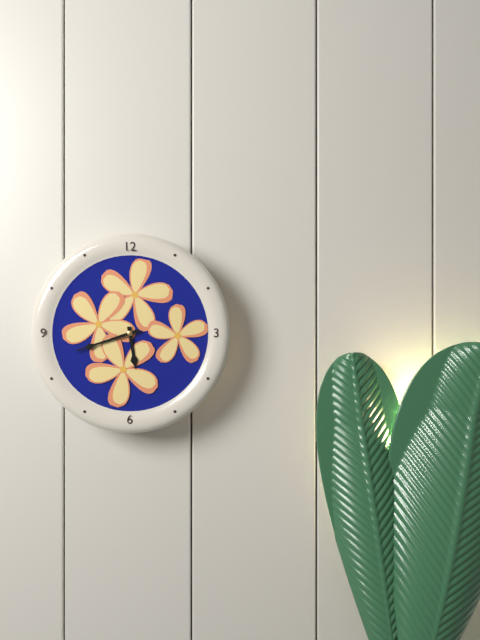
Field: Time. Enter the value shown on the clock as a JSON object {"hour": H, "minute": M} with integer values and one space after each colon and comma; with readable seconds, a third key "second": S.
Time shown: {"hour": 5, "minute": 42}
